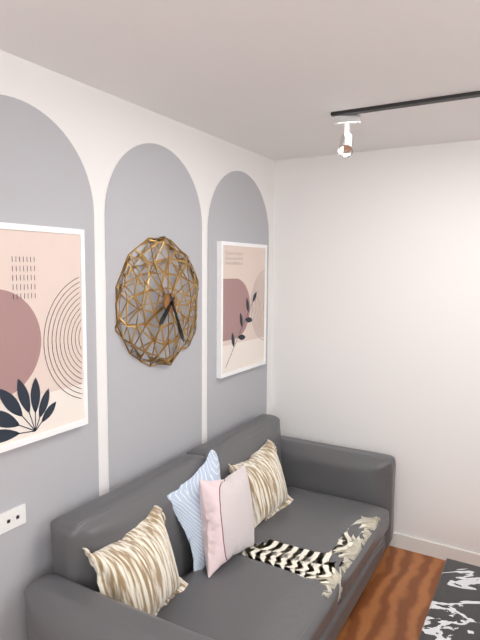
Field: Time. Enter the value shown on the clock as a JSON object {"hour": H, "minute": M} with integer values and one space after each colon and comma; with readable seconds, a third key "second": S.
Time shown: {"hour": 7, "minute": 26}
